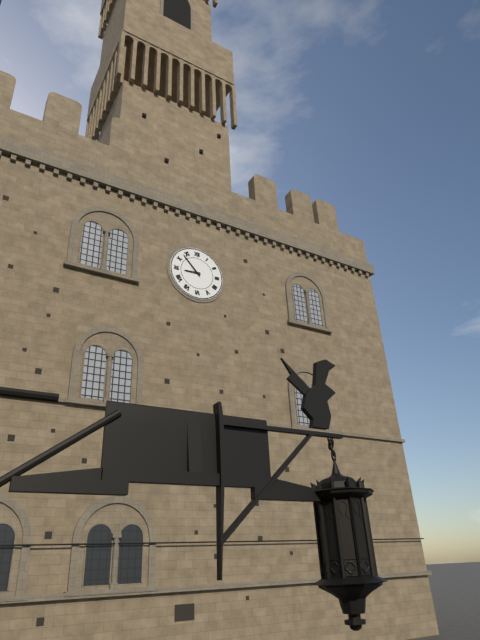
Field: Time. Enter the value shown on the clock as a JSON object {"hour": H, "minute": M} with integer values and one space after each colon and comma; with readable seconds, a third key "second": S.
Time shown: {"hour": 8, "minute": 53}
